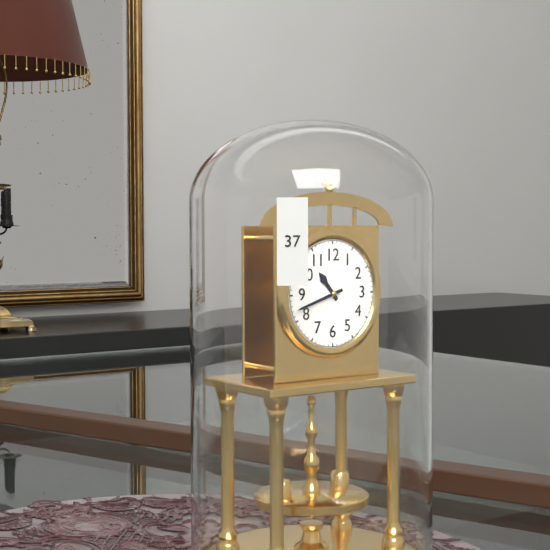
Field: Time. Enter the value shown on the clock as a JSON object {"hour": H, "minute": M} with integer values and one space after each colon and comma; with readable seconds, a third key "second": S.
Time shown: {"hour": 10, "minute": 42}
